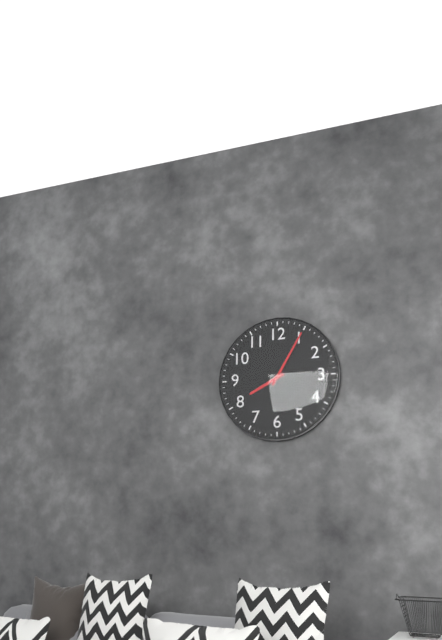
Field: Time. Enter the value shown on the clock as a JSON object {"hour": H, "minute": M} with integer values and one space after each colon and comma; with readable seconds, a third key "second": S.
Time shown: {"hour": 8, "minute": 5}
